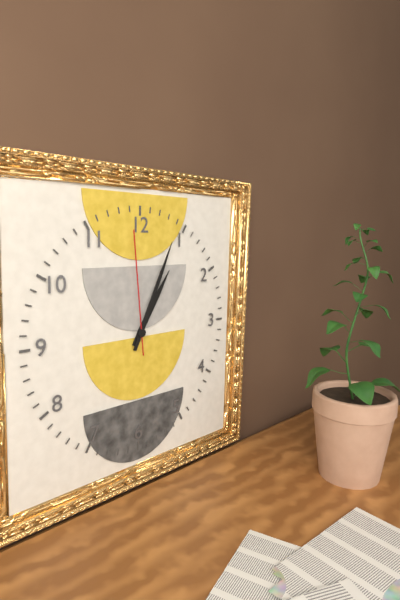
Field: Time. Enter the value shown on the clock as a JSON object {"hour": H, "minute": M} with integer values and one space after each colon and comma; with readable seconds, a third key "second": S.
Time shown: {"hour": 1, "minute": 4, "second": 59}
